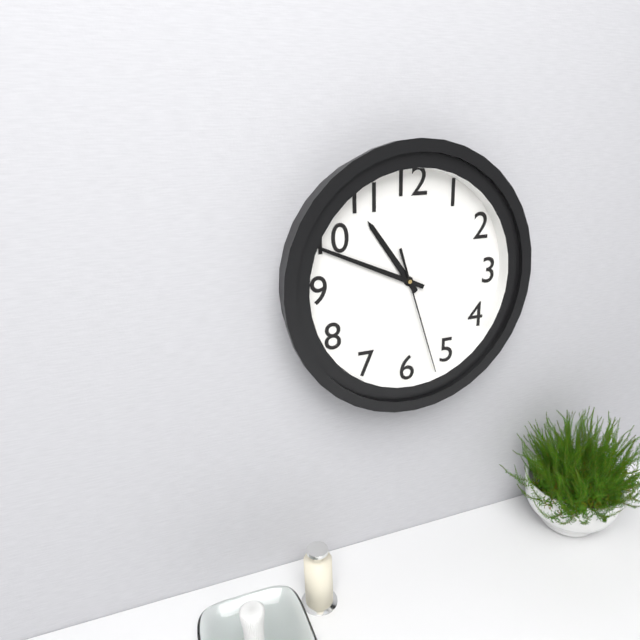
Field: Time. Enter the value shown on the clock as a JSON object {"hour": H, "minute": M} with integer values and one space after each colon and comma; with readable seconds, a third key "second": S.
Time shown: {"hour": 10, "minute": 49, "second": 27}
